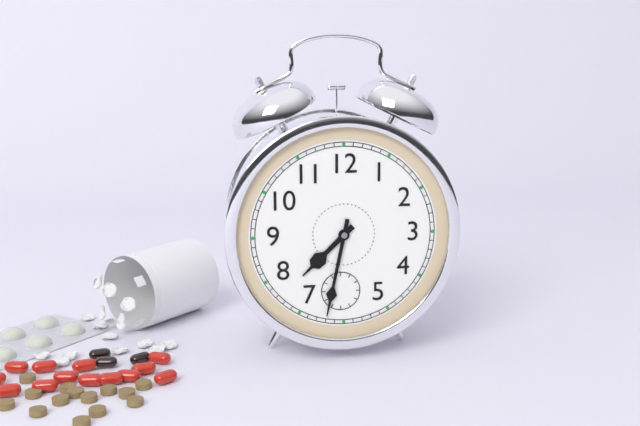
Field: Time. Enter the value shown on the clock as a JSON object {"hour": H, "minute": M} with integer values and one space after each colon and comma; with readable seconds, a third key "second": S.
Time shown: {"hour": 7, "minute": 32}
